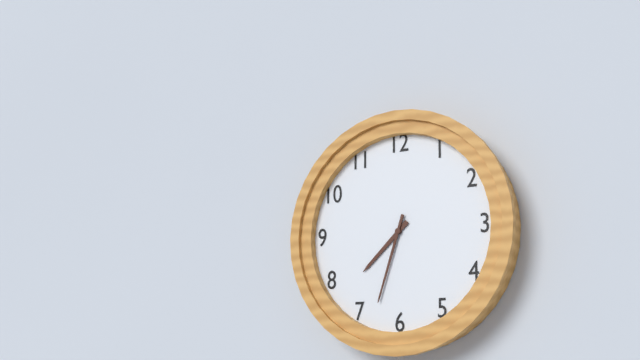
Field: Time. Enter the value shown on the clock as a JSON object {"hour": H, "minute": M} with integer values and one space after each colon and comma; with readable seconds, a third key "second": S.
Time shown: {"hour": 7, "minute": 33}
